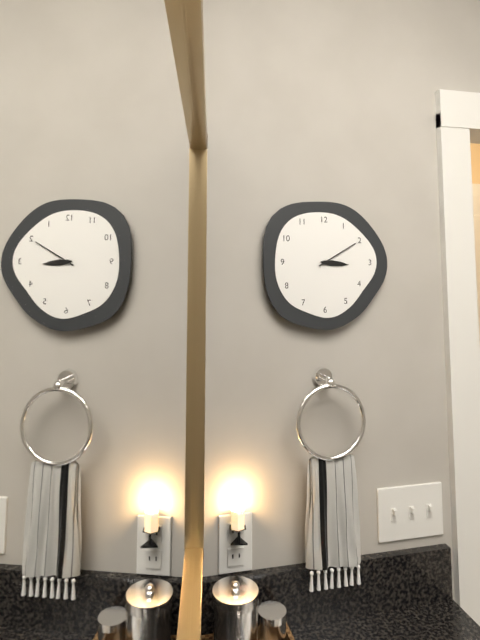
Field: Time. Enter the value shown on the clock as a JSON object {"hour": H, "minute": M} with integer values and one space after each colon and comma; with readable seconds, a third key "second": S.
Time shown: {"hour": 3, "minute": 10}
